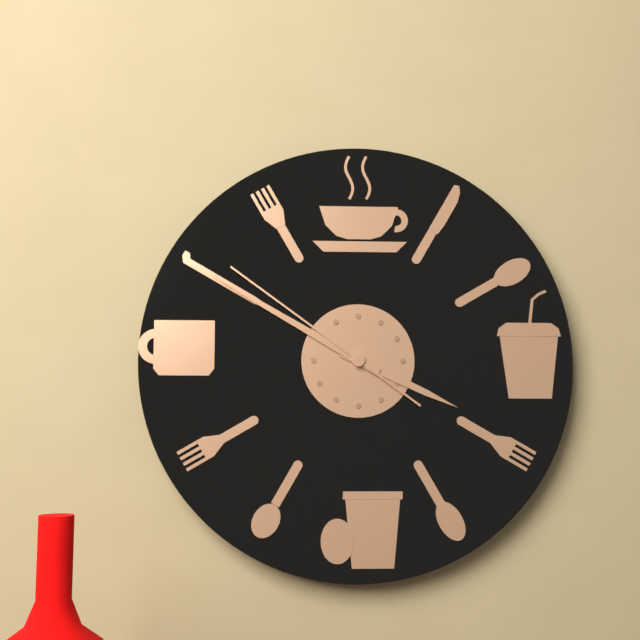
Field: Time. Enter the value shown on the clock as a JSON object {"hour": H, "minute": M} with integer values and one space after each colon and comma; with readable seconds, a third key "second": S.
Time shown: {"hour": 3, "minute": 50, "second": 51}
